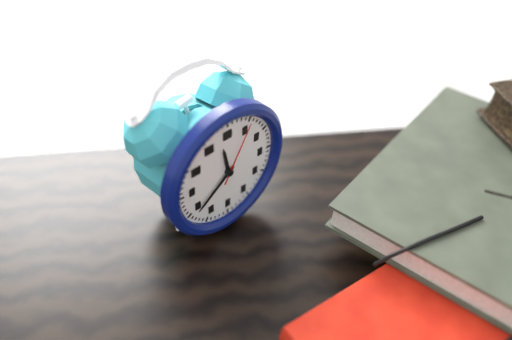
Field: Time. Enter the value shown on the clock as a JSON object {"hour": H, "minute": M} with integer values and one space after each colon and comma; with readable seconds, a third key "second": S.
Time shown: {"hour": 11, "minute": 39, "second": 5}
